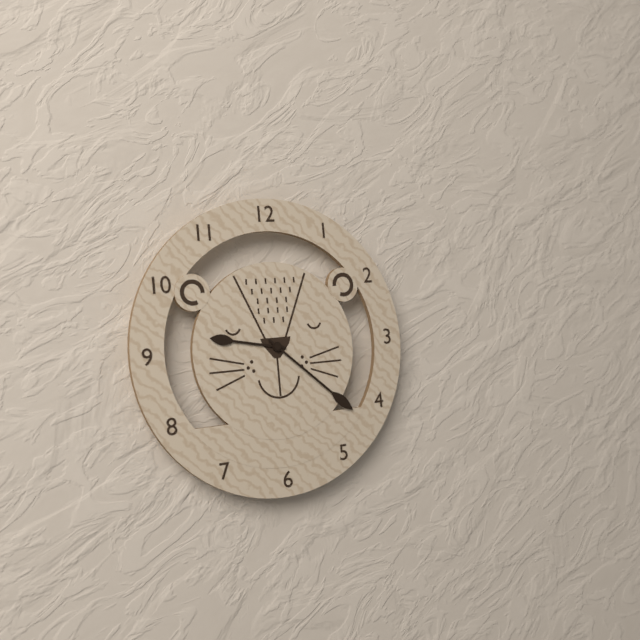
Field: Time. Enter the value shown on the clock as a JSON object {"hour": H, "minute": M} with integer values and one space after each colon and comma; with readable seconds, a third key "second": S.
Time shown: {"hour": 9, "minute": 22}
